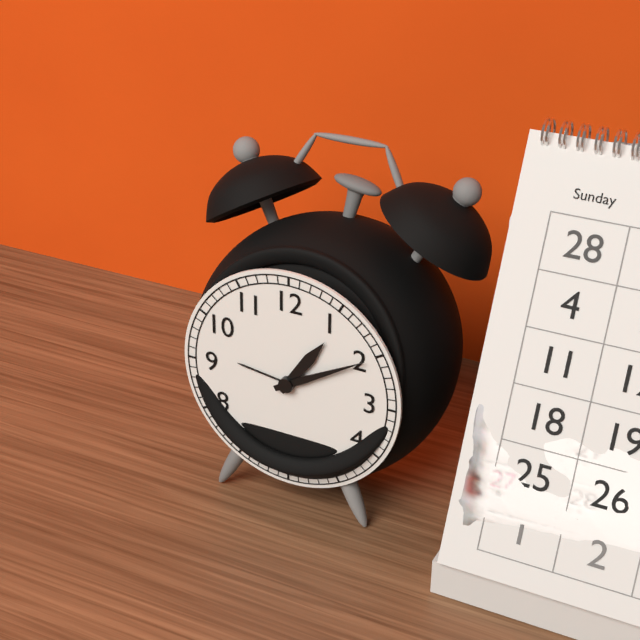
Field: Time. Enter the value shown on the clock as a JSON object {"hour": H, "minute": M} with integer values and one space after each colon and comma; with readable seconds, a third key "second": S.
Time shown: {"hour": 1, "minute": 10}
